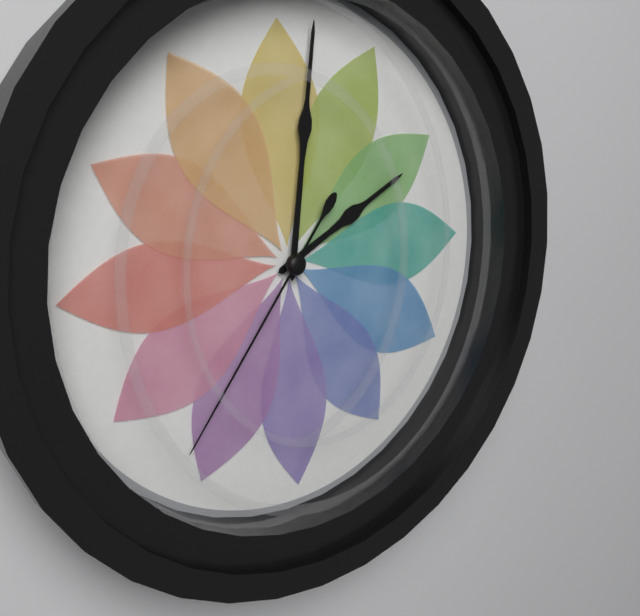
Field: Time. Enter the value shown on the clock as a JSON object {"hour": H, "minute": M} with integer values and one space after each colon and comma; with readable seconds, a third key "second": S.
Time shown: {"hour": 2, "minute": 1, "second": 36}
